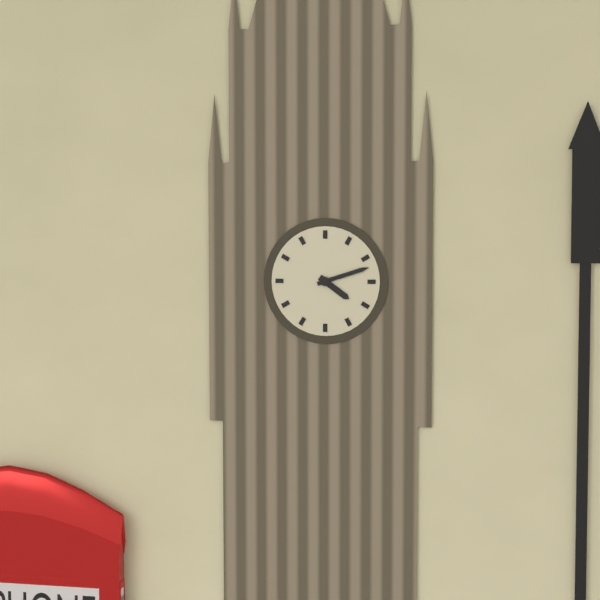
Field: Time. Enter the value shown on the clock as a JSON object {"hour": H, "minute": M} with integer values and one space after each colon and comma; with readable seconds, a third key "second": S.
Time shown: {"hour": 4, "minute": 12}
